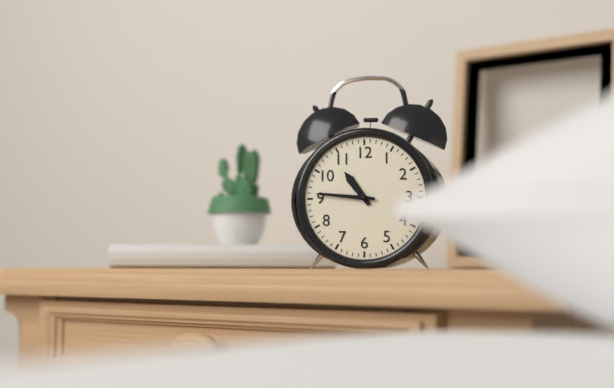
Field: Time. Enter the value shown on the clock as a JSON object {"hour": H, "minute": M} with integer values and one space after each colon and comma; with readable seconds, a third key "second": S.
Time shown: {"hour": 10, "minute": 46}
